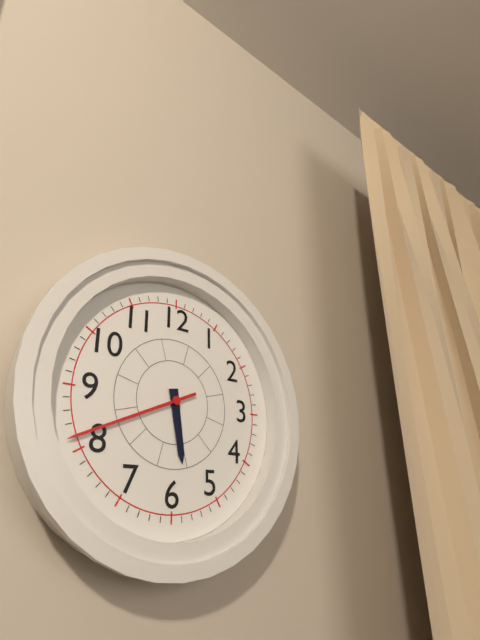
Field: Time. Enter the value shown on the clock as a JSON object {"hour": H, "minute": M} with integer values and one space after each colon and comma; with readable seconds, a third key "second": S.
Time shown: {"hour": 5, "minute": 41}
